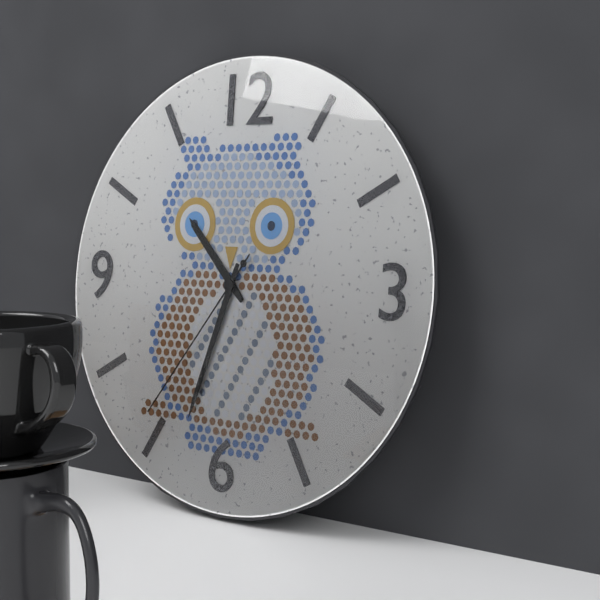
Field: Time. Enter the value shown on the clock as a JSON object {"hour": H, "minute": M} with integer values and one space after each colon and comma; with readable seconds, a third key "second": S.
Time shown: {"hour": 10, "minute": 33, "second": 36}
